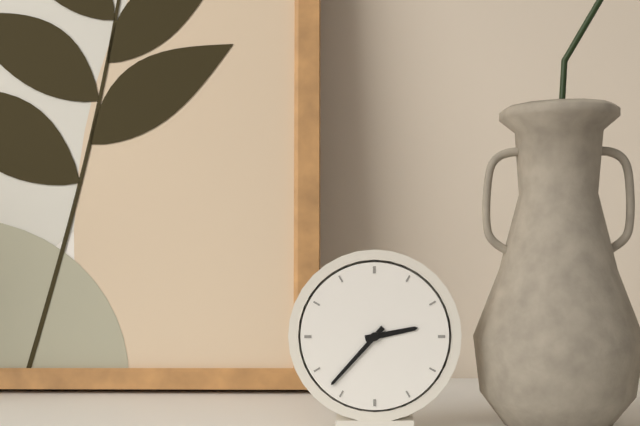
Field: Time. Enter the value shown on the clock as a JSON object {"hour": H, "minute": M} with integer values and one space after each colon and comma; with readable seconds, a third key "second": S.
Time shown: {"hour": 2, "minute": 37}
